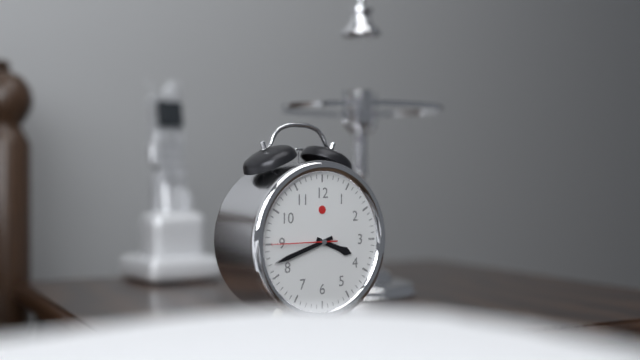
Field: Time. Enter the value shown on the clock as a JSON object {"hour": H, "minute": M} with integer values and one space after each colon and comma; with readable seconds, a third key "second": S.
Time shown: {"hour": 3, "minute": 42, "second": 45}
